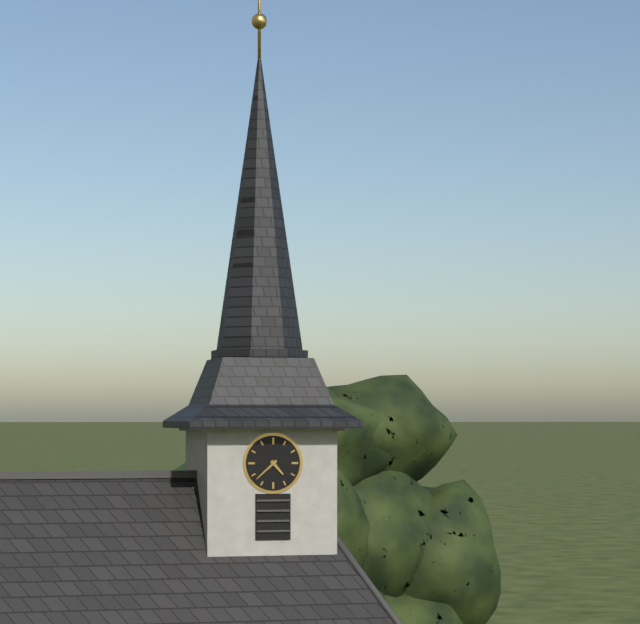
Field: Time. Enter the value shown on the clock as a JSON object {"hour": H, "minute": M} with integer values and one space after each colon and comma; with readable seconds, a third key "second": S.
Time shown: {"hour": 4, "minute": 38}
